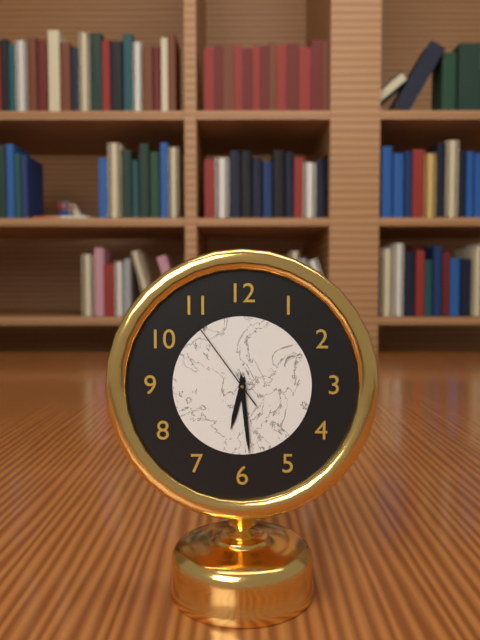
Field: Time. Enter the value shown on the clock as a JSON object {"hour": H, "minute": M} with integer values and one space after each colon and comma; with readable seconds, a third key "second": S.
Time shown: {"hour": 6, "minute": 29, "second": 54}
